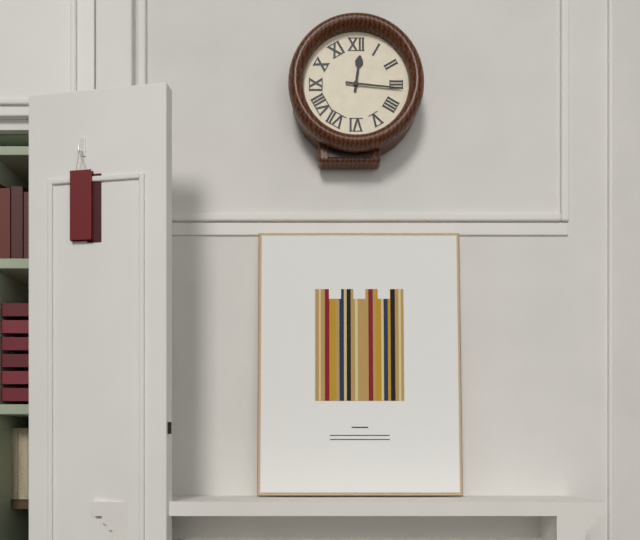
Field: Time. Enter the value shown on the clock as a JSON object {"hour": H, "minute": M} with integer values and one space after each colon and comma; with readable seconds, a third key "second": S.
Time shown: {"hour": 12, "minute": 16}
